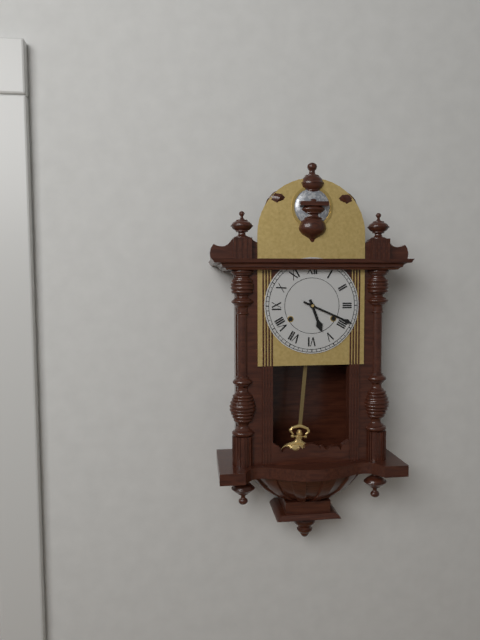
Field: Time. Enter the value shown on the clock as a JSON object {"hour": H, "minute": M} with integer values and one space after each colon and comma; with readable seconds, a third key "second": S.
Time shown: {"hour": 5, "minute": 19}
